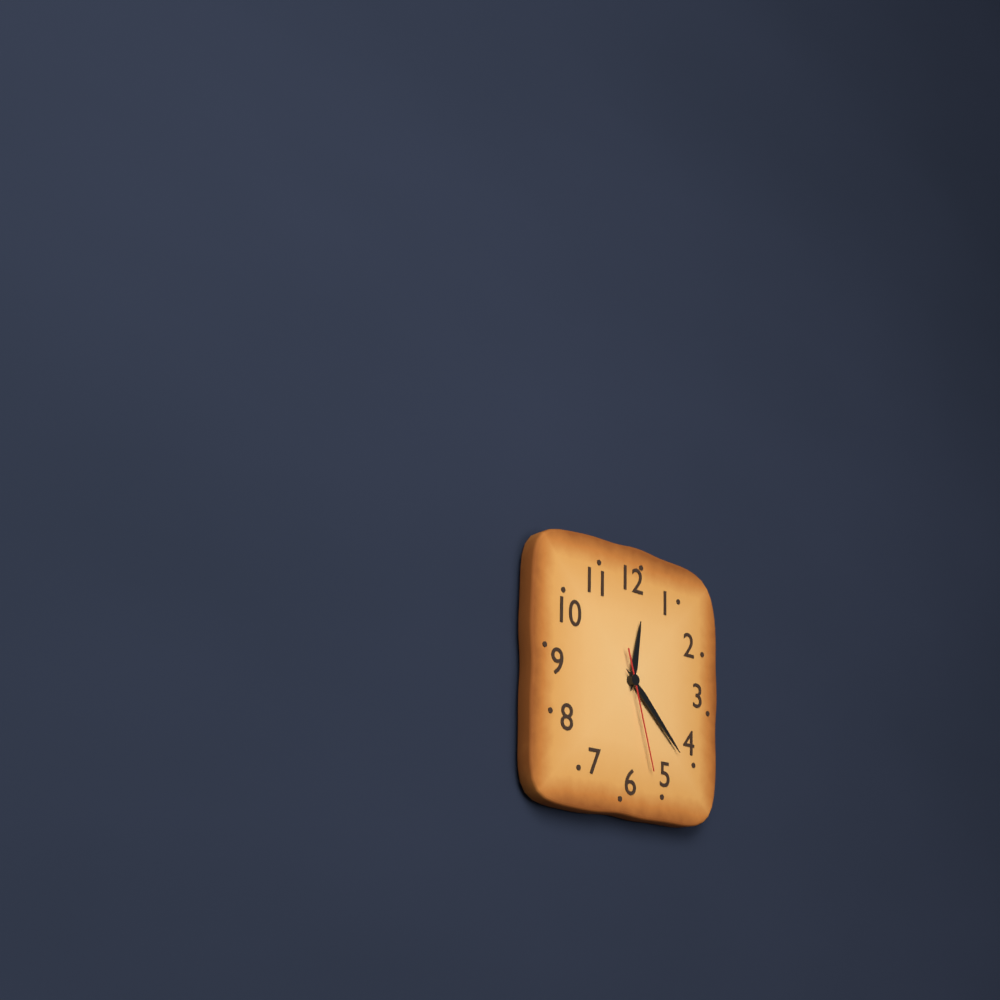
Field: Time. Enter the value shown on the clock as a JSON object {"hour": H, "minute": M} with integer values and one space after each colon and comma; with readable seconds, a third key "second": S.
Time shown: {"hour": 12, "minute": 22, "second": 27}
